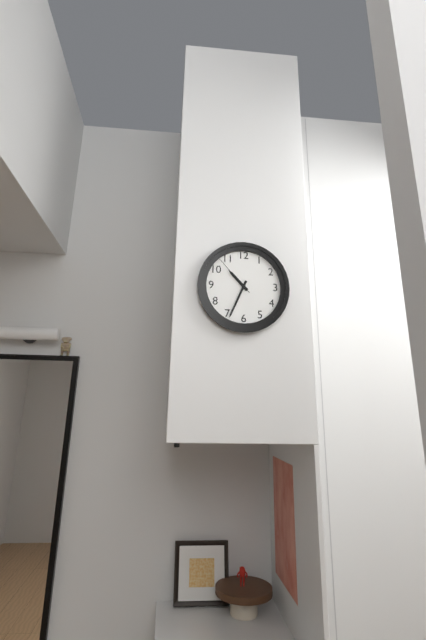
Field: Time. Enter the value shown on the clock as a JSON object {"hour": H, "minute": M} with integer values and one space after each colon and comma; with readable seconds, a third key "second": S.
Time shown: {"hour": 10, "minute": 34}
